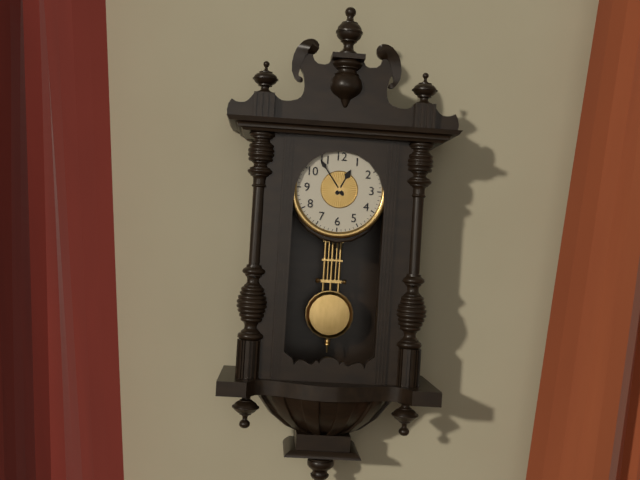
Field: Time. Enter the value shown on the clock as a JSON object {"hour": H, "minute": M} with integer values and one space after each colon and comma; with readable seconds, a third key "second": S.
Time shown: {"hour": 12, "minute": 54}
